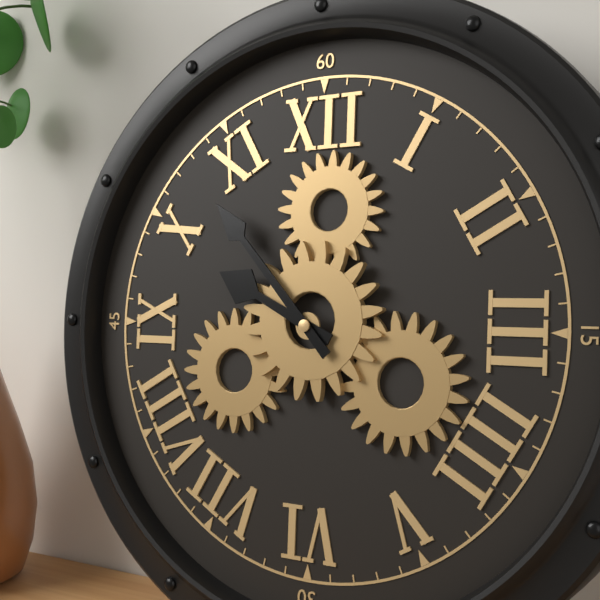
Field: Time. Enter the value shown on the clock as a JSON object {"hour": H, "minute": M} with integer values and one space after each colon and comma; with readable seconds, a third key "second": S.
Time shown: {"hour": 9, "minute": 53}
